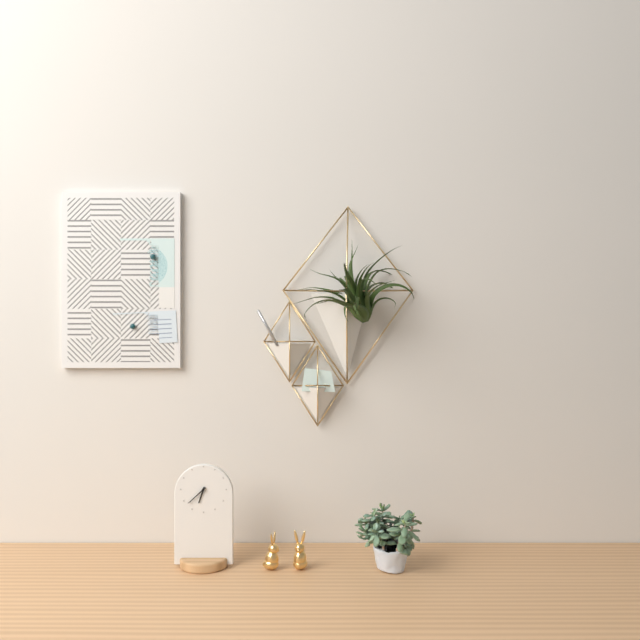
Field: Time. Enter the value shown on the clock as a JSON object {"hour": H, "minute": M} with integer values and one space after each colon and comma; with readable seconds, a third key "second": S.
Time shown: {"hour": 6, "minute": 38}
